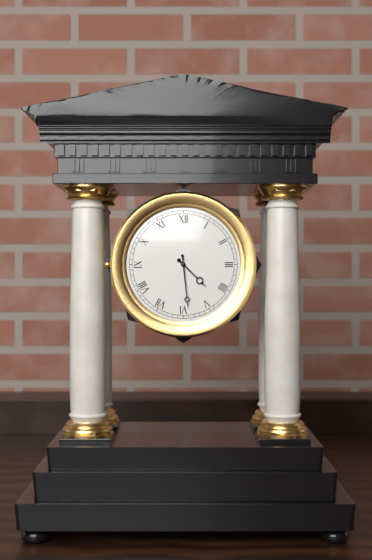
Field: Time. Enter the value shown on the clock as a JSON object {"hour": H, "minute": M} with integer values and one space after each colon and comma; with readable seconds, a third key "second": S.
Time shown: {"hour": 4, "minute": 29}
